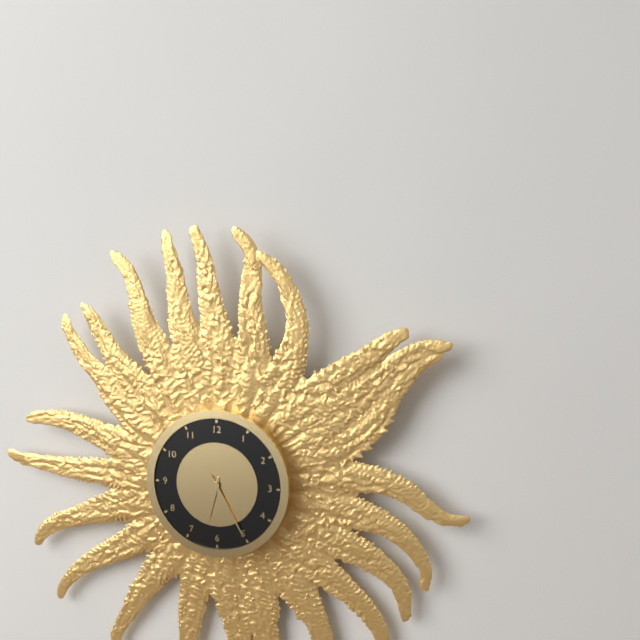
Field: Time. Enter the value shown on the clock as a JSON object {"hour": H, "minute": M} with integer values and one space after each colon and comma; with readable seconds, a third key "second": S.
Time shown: {"hour": 6, "minute": 25}
